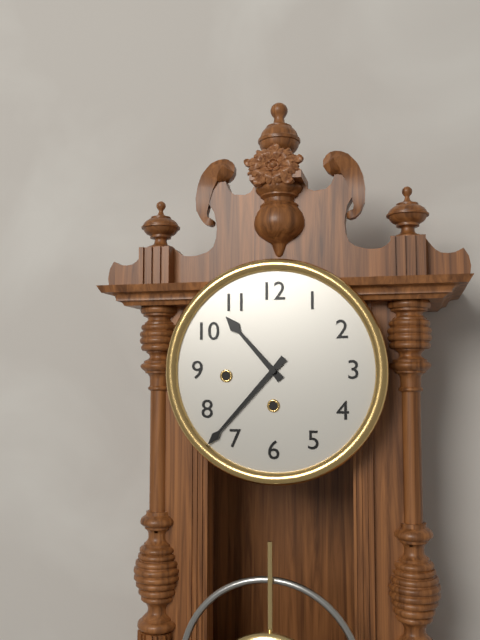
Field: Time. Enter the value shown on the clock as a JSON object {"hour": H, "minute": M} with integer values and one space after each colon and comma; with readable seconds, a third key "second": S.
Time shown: {"hour": 10, "minute": 37}
